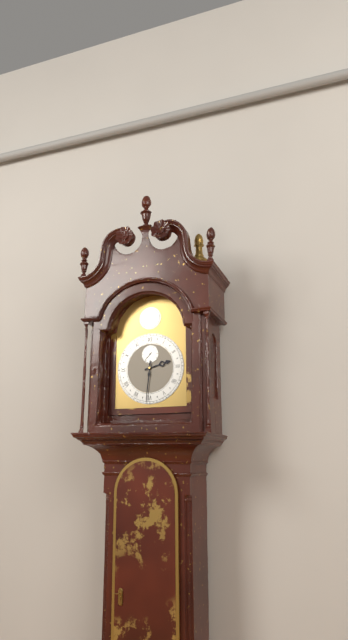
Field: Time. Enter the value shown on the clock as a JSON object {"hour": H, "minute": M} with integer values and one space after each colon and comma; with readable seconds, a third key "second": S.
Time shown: {"hour": 2, "minute": 31}
